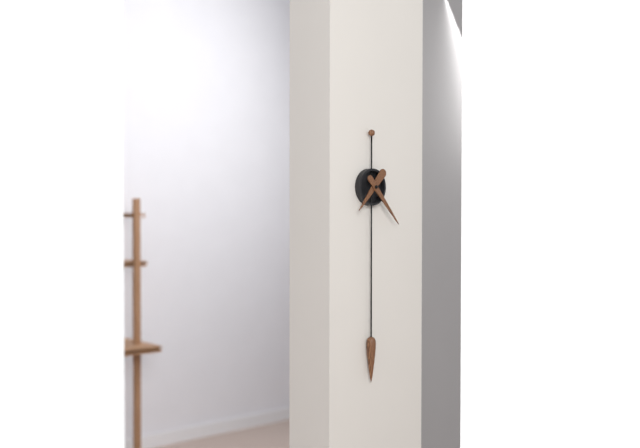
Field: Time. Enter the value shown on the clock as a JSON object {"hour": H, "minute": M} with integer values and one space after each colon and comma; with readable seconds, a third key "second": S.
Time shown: {"hour": 7, "minute": 23}
